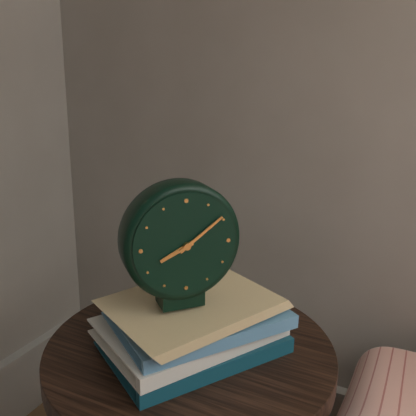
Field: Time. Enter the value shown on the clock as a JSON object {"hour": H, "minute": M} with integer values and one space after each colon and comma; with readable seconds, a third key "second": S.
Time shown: {"hour": 8, "minute": 9}
